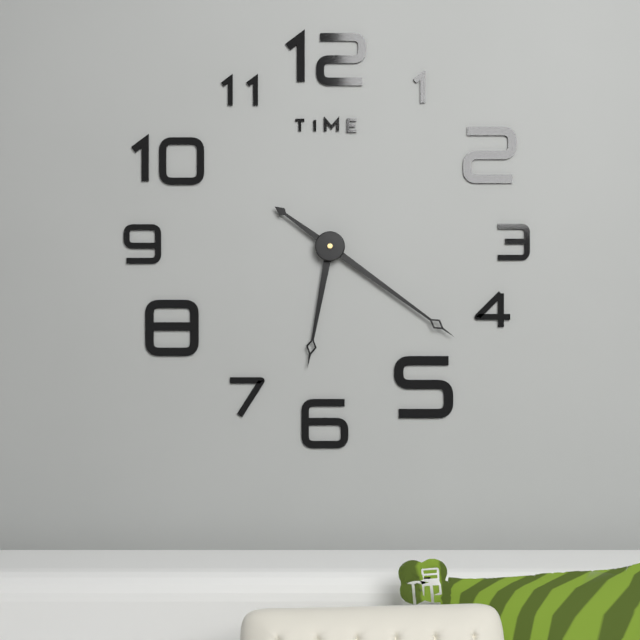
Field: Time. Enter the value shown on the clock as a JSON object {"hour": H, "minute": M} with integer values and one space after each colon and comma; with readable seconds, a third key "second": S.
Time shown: {"hour": 6, "minute": 21}
